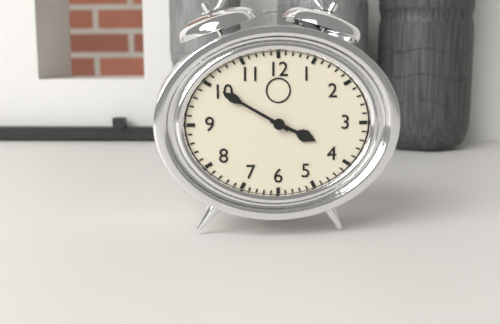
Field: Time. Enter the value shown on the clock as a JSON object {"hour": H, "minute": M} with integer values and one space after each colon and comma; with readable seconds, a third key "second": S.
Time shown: {"hour": 3, "minute": 50}
